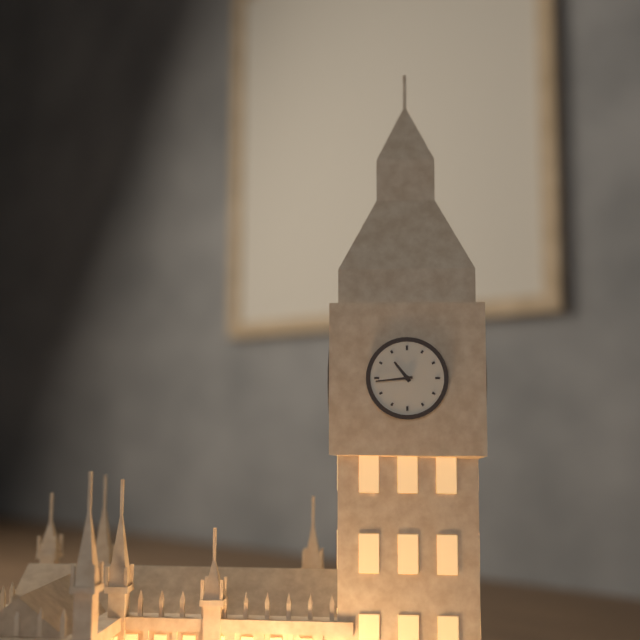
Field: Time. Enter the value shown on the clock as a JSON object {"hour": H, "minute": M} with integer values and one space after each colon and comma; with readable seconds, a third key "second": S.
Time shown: {"hour": 10, "minute": 44}
